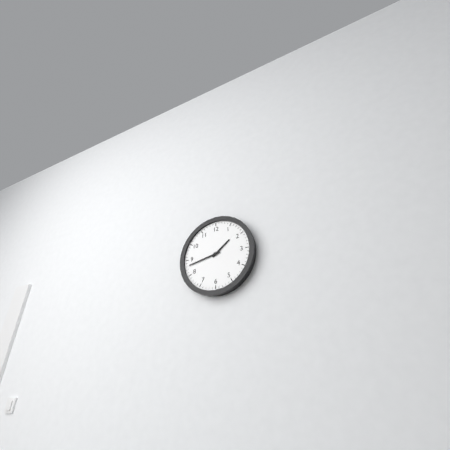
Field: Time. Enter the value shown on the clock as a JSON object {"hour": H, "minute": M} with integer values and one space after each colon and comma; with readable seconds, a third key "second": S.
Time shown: {"hour": 1, "minute": 43}
